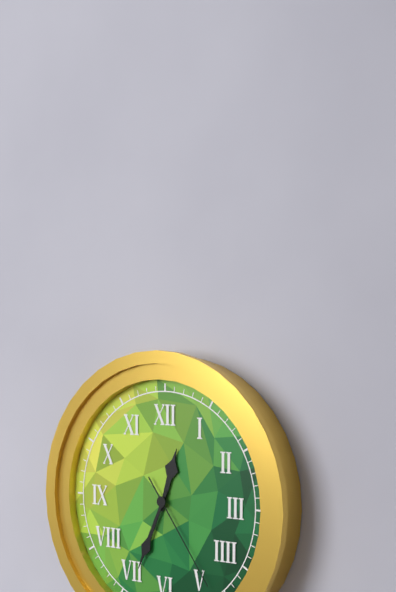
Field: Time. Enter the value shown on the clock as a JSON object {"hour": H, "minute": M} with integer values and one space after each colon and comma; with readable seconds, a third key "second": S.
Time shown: {"hour": 12, "minute": 34, "second": 24}
